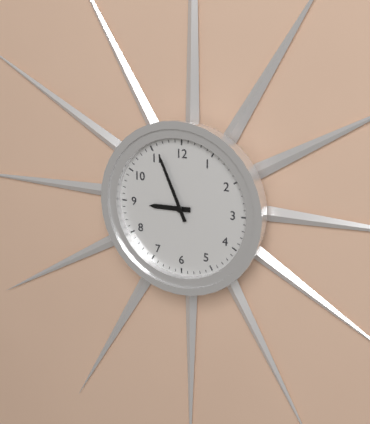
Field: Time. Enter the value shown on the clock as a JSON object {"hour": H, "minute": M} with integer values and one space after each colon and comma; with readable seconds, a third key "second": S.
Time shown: {"hour": 8, "minute": 56}
